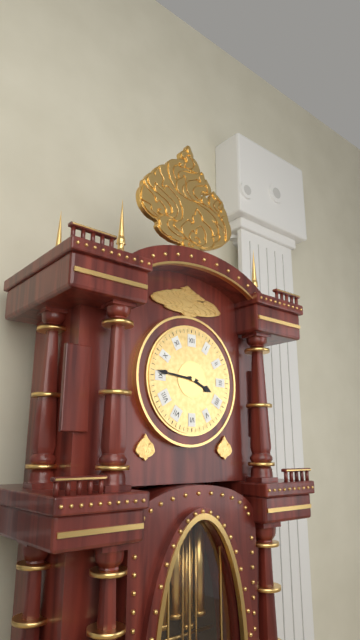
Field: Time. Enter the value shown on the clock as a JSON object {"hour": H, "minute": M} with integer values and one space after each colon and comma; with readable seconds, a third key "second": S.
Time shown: {"hour": 3, "minute": 46}
